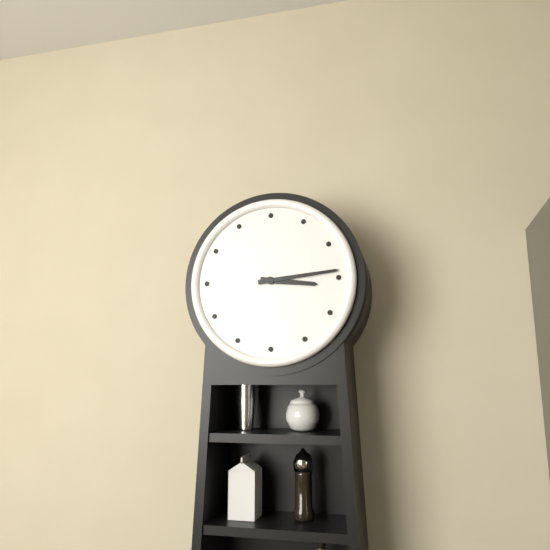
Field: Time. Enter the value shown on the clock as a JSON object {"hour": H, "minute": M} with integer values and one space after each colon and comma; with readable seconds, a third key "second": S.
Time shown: {"hour": 3, "minute": 14}
